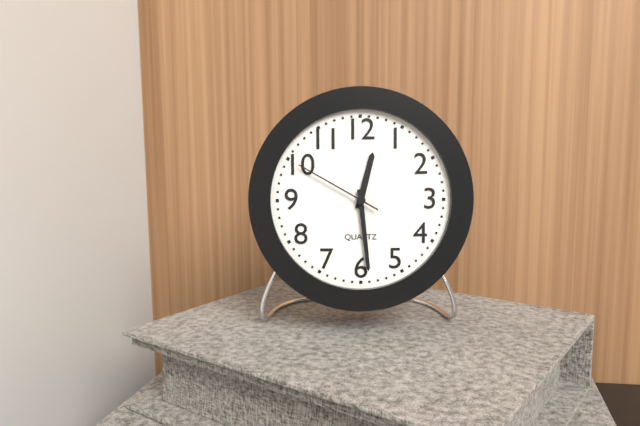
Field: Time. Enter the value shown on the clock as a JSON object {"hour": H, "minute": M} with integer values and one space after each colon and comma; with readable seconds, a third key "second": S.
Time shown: {"hour": 12, "minute": 29, "second": 50}
